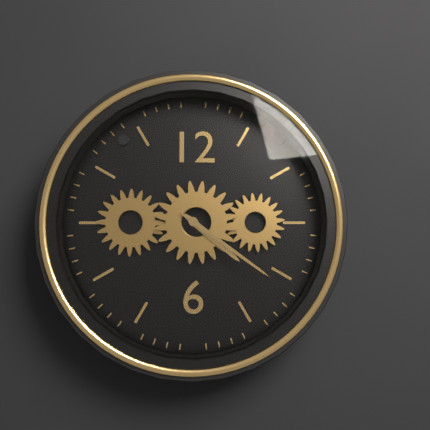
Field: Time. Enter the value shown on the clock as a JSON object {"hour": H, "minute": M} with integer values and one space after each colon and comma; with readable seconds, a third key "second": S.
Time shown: {"hour": 4, "minute": 21}
